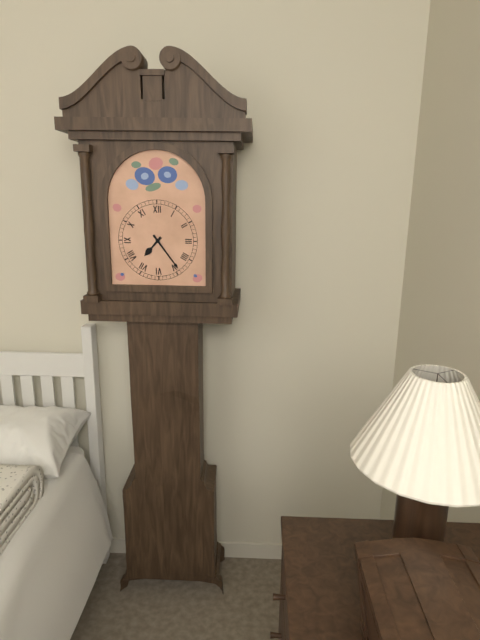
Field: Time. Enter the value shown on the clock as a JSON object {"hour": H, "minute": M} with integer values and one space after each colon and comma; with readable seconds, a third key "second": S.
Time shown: {"hour": 7, "minute": 24}
